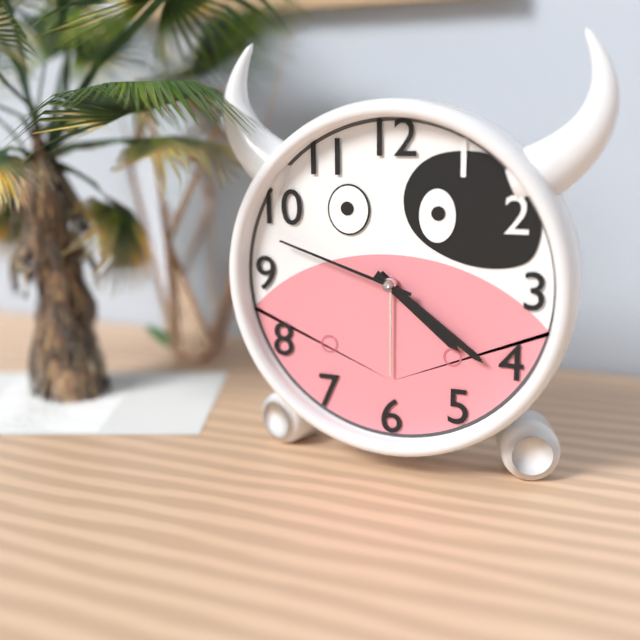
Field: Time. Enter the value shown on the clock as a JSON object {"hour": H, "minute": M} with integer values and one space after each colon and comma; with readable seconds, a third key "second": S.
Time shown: {"hour": 4, "minute": 21, "second": 48}
